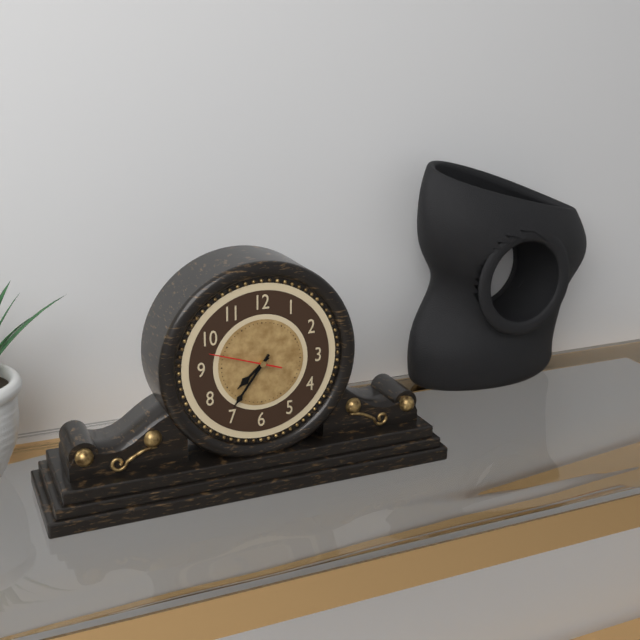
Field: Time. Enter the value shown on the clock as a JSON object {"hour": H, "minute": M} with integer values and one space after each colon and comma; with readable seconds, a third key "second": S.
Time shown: {"hour": 7, "minute": 36, "second": 48}
